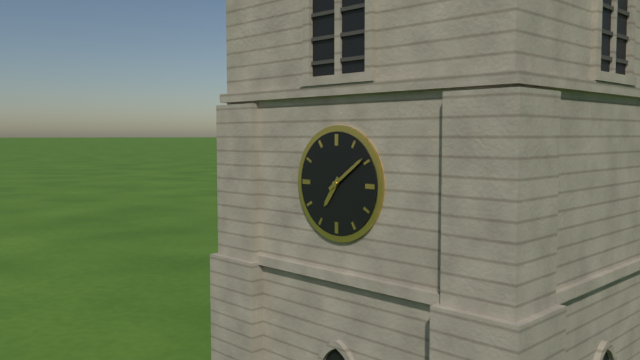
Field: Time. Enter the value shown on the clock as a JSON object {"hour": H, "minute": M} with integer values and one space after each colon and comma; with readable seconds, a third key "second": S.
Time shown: {"hour": 7, "minute": 9}
